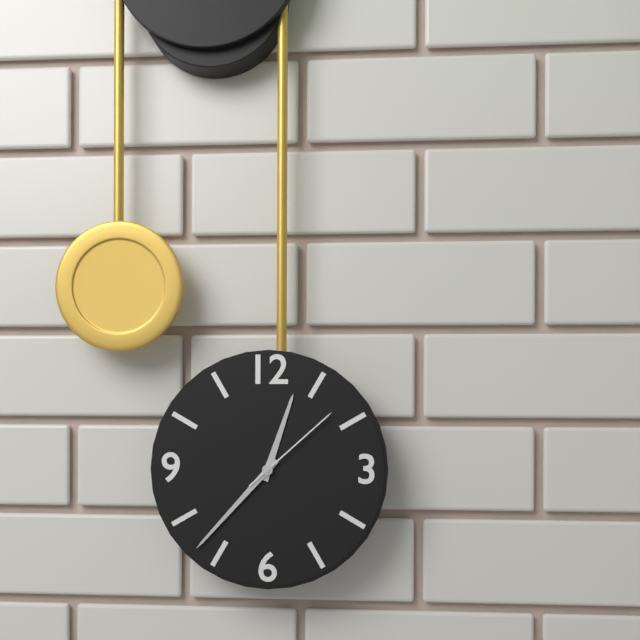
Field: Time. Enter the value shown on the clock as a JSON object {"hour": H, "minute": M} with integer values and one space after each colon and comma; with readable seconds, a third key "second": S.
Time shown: {"hour": 12, "minute": 37, "second": 8}
